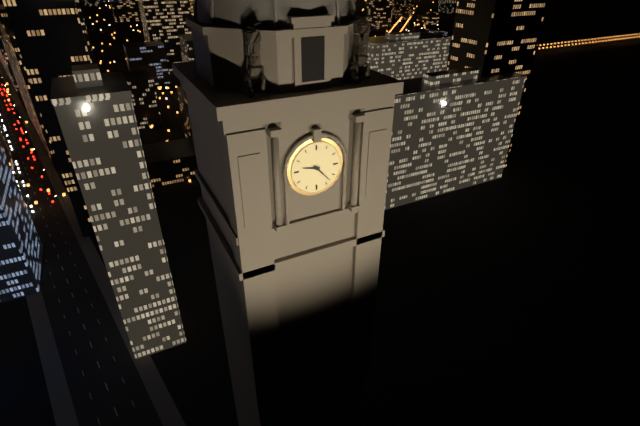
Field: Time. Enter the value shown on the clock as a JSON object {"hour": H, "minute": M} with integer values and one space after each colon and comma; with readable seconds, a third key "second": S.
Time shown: {"hour": 9, "minute": 23}
